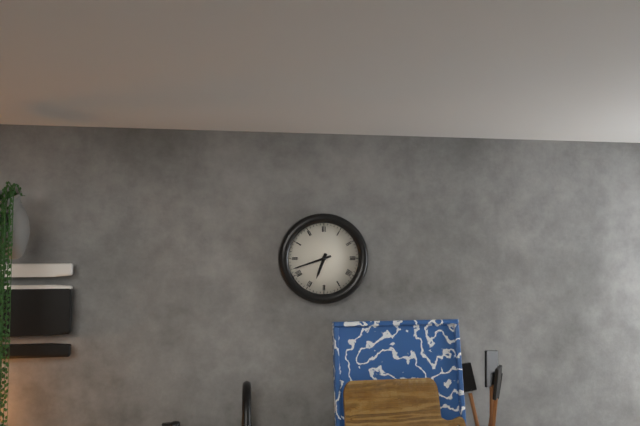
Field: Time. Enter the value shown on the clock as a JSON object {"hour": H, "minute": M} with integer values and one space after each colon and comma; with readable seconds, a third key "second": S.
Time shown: {"hour": 6, "minute": 42}
